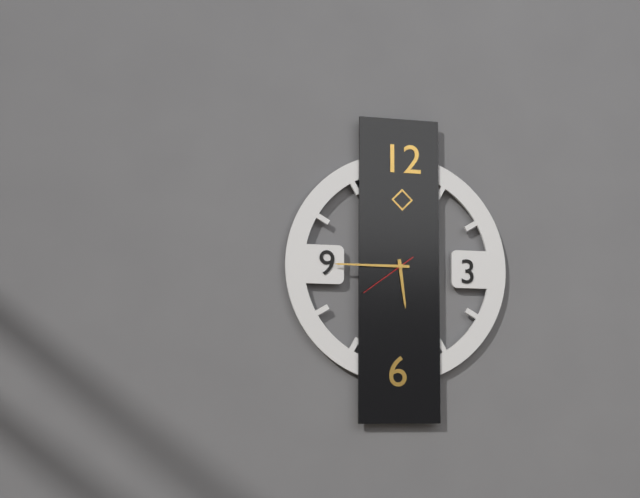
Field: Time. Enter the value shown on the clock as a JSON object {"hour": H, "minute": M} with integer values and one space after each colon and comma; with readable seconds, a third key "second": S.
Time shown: {"hour": 5, "minute": 45, "second": 39}
